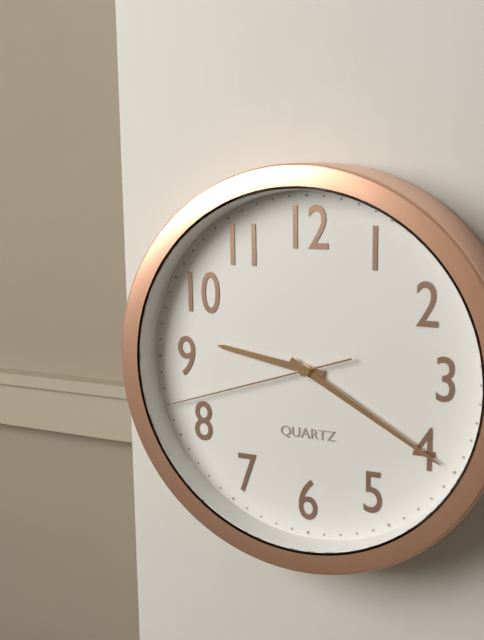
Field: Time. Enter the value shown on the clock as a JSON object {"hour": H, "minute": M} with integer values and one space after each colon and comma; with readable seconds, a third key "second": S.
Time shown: {"hour": 9, "minute": 20, "second": 42}
